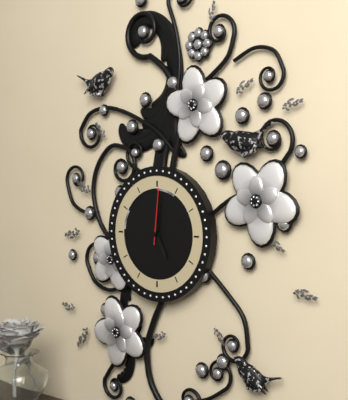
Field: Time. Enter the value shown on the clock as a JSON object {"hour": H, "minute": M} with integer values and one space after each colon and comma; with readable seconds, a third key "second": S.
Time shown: {"hour": 5, "minute": 1, "second": 1}
